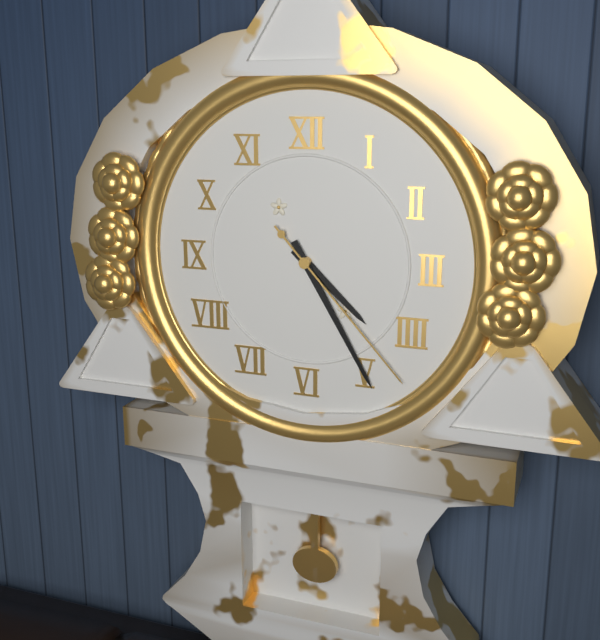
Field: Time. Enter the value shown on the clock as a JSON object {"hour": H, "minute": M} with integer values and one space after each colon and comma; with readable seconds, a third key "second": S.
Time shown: {"hour": 4, "minute": 25, "second": 23}
